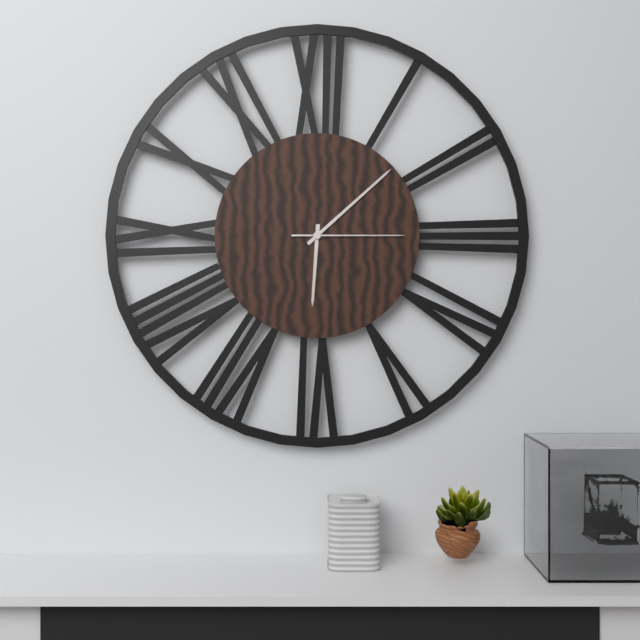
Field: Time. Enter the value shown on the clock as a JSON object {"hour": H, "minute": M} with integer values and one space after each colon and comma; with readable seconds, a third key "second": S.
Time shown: {"hour": 6, "minute": 8, "second": 15}
